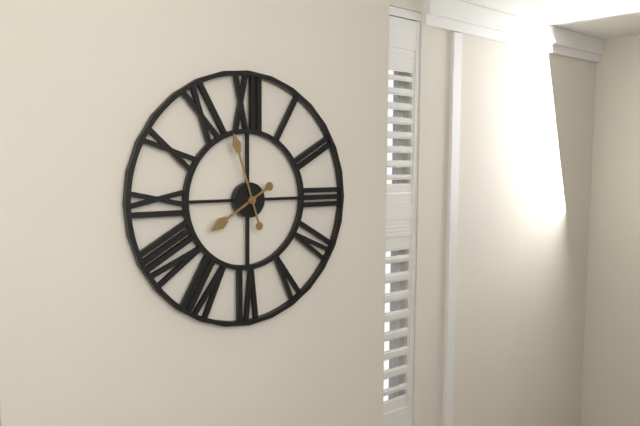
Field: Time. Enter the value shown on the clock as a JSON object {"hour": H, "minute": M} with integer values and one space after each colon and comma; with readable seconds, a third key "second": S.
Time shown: {"hour": 7, "minute": 57}
